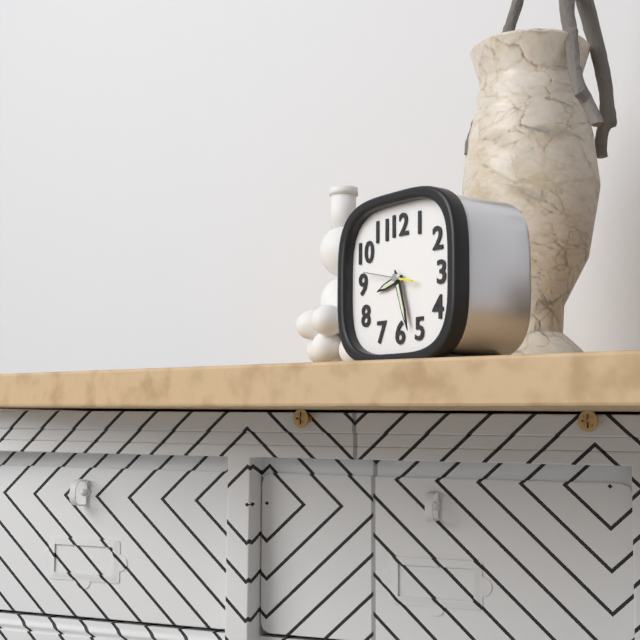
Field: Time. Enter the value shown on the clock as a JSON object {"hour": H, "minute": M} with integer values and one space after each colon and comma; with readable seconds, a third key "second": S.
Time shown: {"hour": 8, "minute": 27}
